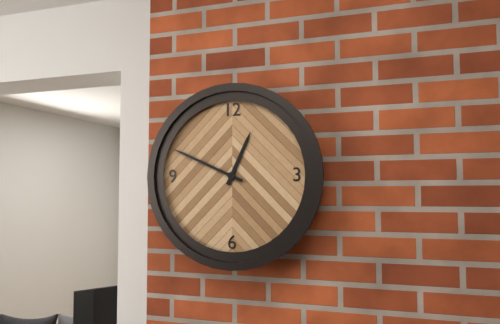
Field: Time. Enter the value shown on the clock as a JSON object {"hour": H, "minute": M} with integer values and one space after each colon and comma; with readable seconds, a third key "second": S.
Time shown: {"hour": 12, "minute": 49}
